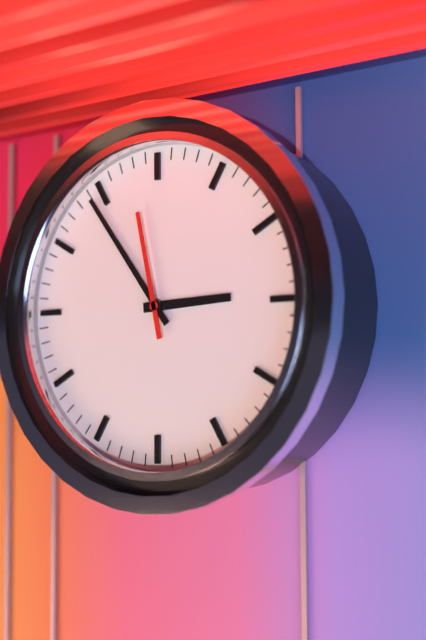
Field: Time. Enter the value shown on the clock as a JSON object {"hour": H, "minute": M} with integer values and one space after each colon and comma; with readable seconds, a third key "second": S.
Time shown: {"hour": 2, "minute": 54, "second": 58}
